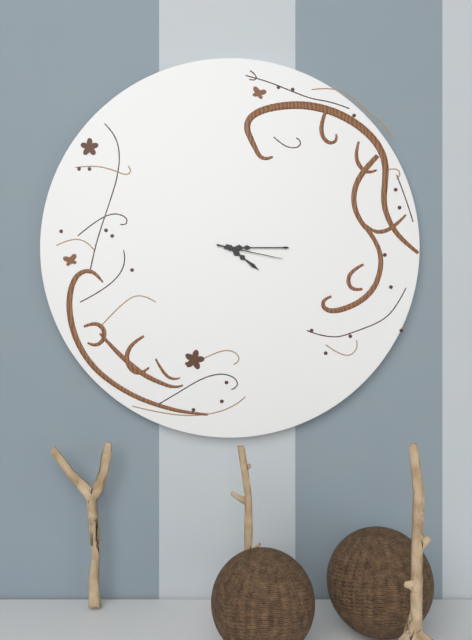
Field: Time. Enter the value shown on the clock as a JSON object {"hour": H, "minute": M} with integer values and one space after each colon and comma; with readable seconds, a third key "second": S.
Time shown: {"hour": 4, "minute": 15, "second": 17}
